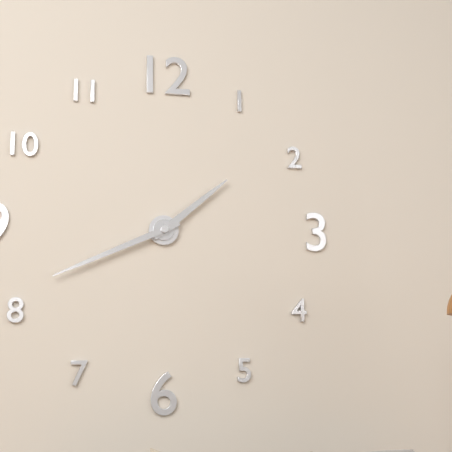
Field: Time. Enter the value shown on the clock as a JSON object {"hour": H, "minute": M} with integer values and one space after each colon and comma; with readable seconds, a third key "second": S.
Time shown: {"hour": 1, "minute": 41}
